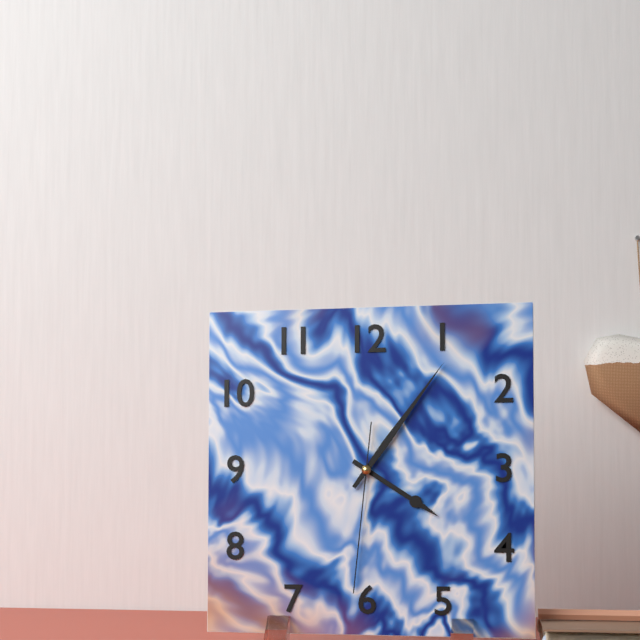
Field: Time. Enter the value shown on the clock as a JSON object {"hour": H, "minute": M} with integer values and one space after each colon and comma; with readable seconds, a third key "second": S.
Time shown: {"hour": 4, "minute": 6, "second": 31}
